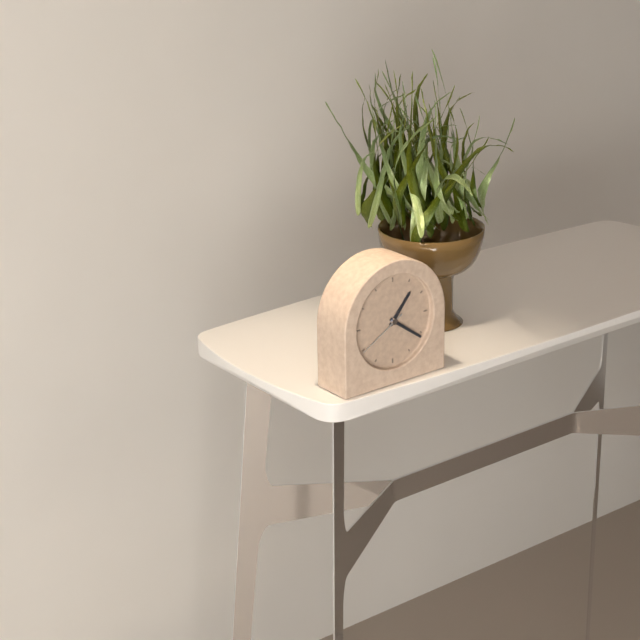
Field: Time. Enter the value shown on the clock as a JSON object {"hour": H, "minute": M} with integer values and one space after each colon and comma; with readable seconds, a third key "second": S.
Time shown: {"hour": 1, "minute": 21, "second": 40}
